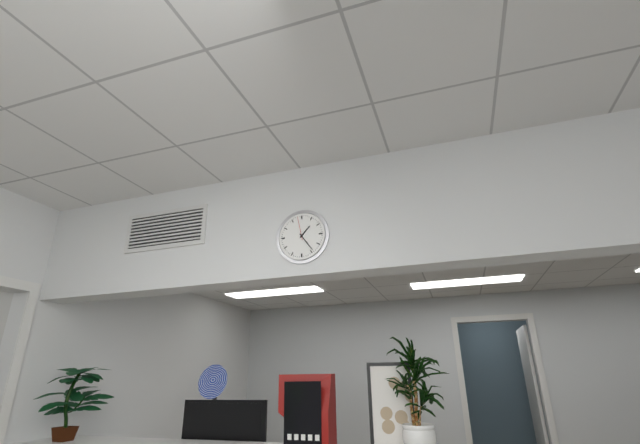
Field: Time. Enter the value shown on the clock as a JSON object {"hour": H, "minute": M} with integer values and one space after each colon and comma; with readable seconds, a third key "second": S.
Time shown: {"hour": 1, "minute": 24}
